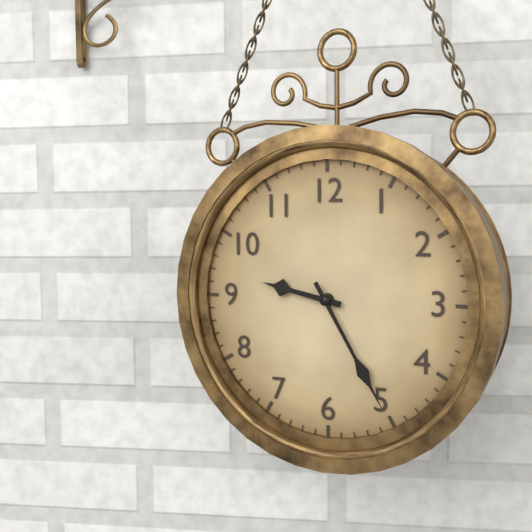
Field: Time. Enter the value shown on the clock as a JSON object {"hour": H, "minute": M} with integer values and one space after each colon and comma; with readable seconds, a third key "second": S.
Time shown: {"hour": 9, "minute": 25}
